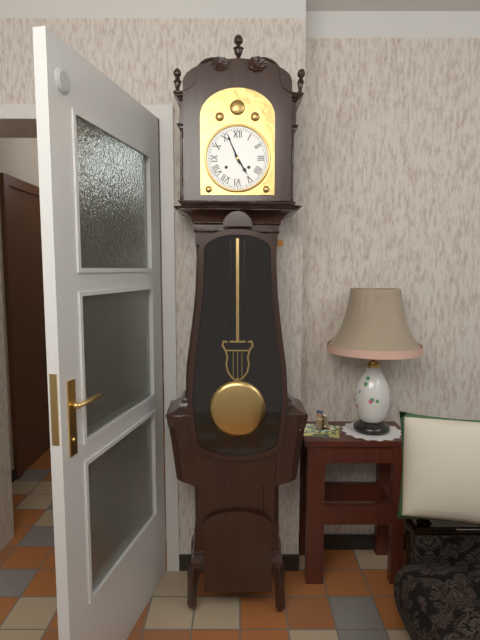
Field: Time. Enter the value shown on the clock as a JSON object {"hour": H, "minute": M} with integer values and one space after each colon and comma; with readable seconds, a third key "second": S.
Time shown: {"hour": 4, "minute": 56}
